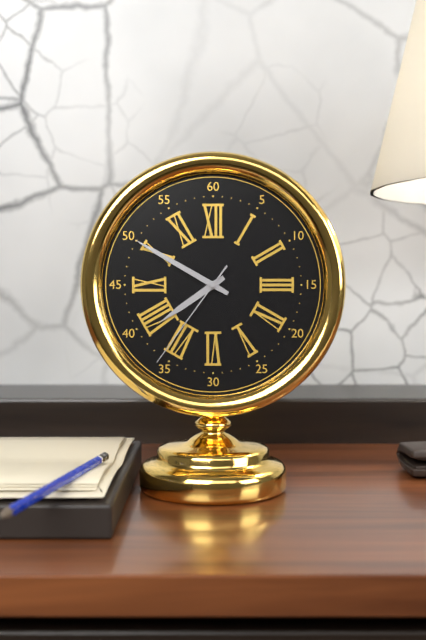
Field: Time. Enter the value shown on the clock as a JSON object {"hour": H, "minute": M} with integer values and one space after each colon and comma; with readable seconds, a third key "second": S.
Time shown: {"hour": 7, "minute": 50, "second": 36}
